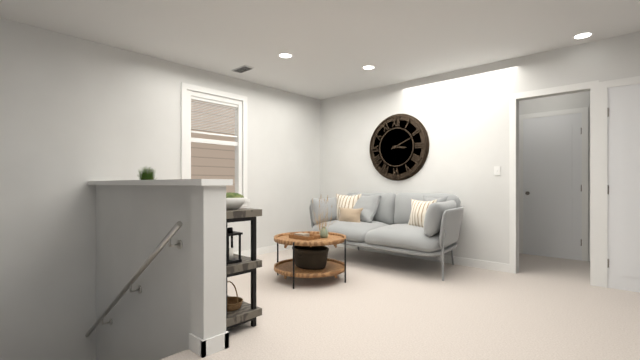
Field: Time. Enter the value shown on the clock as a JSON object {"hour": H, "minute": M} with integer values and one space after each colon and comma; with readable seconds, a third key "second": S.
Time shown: {"hour": 3, "minute": 11}
